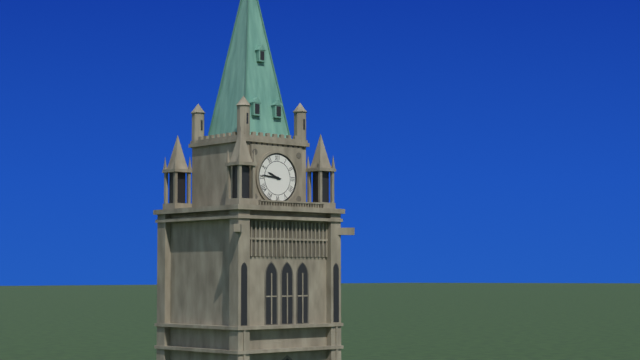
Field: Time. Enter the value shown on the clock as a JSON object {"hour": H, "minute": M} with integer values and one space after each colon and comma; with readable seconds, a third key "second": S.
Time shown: {"hour": 9, "minute": 46}
